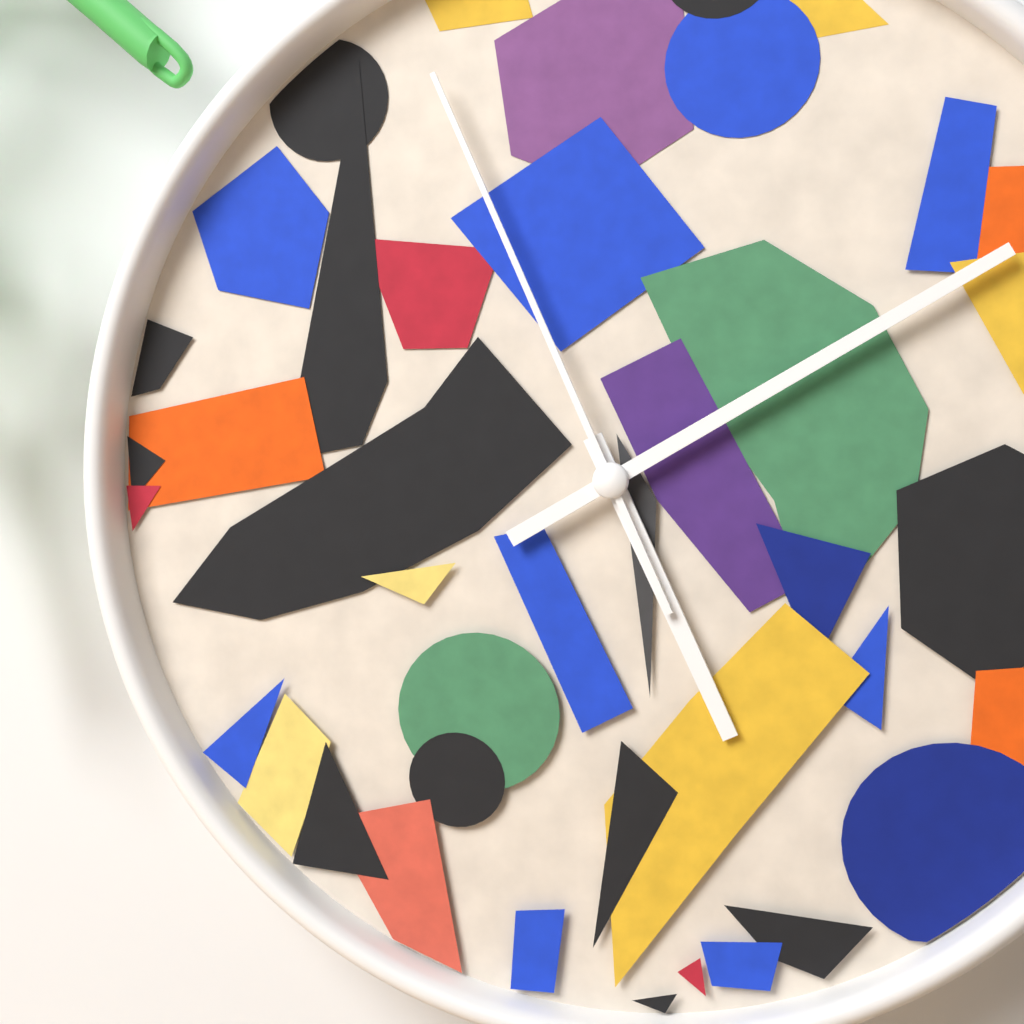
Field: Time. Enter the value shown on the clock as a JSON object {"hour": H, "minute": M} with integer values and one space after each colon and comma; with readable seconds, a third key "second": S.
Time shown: {"hour": 5, "minute": 10, "second": 56}
